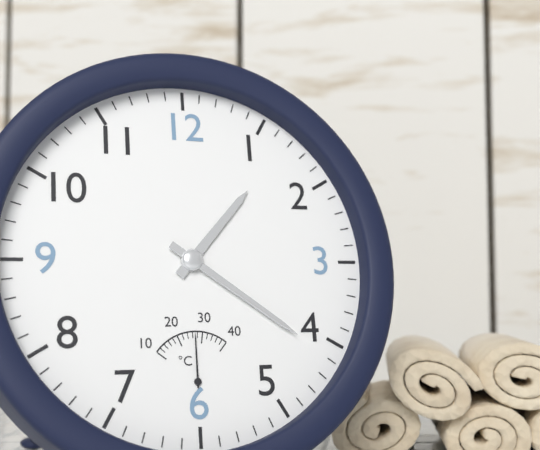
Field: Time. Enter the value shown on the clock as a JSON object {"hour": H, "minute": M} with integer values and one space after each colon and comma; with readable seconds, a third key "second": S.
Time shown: {"hour": 1, "minute": 21}
